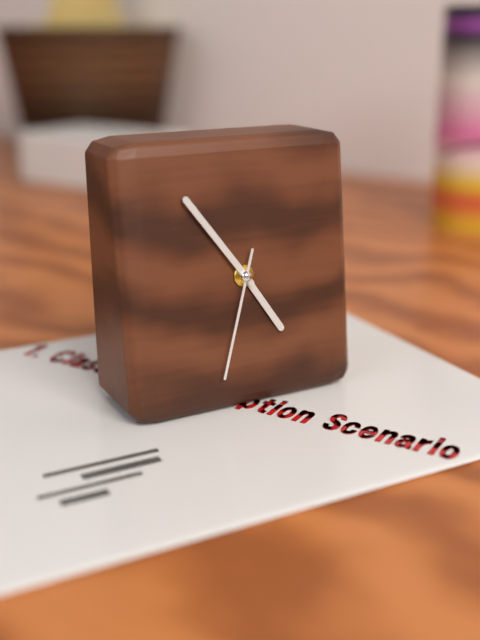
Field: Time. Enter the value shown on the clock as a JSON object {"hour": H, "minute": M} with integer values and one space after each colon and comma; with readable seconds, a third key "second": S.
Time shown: {"hour": 4, "minute": 54, "second": 33}
